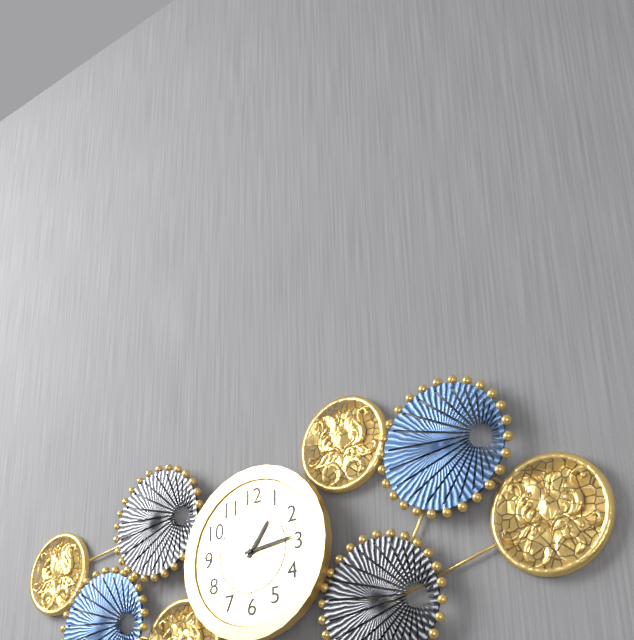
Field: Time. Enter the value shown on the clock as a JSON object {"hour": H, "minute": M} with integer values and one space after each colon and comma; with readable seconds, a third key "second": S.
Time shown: {"hour": 1, "minute": 14, "second": 11}
